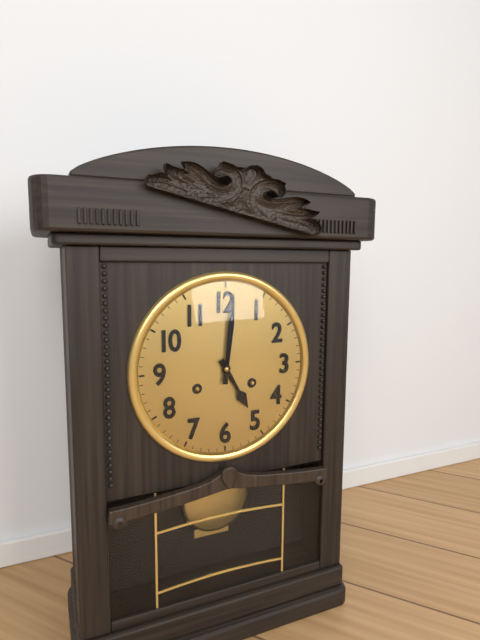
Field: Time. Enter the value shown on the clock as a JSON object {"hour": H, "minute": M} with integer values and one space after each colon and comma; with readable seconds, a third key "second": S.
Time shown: {"hour": 5, "minute": 1}
